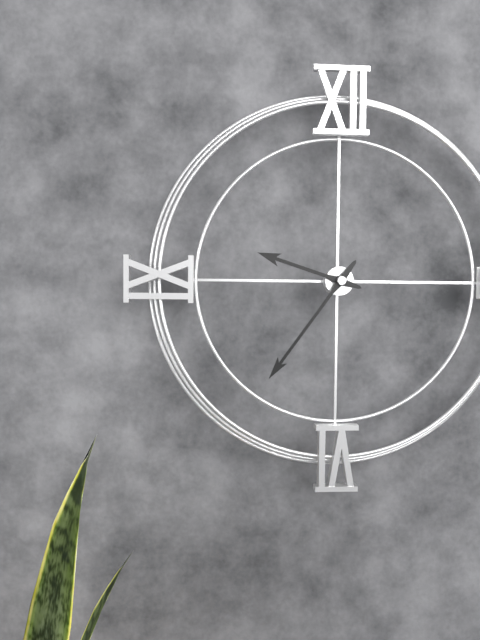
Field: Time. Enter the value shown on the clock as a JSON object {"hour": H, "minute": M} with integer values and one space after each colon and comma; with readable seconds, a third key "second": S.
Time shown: {"hour": 9, "minute": 36}
